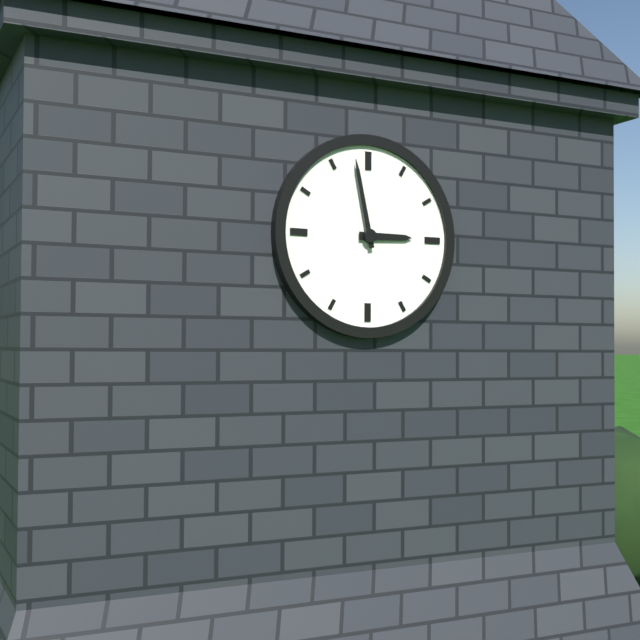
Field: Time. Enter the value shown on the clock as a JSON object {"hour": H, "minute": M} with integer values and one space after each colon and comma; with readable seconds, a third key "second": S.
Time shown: {"hour": 2, "minute": 58}
